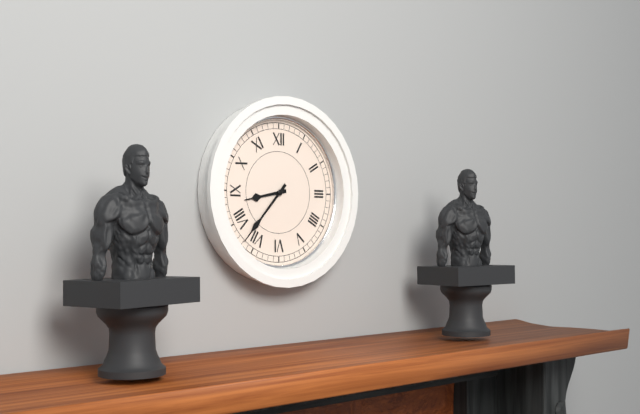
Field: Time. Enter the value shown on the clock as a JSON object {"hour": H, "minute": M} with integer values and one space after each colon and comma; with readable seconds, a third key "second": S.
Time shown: {"hour": 8, "minute": 37}
